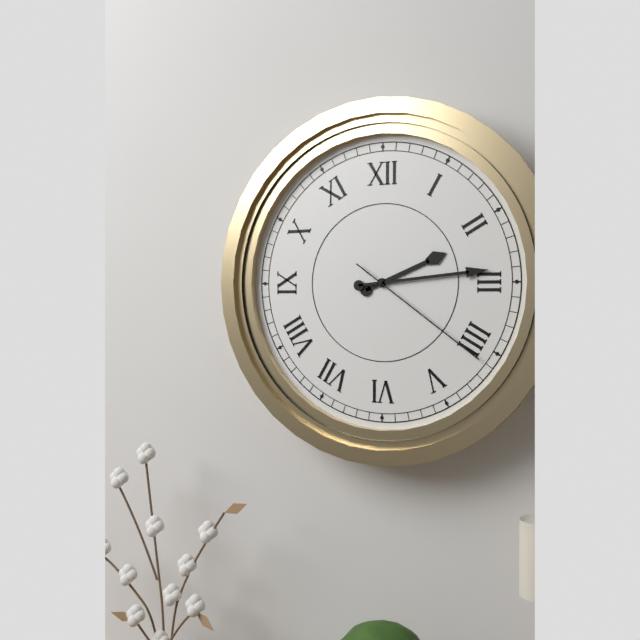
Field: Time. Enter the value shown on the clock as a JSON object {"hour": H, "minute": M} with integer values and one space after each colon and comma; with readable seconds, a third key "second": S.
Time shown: {"hour": 2, "minute": 14, "second": 21}
